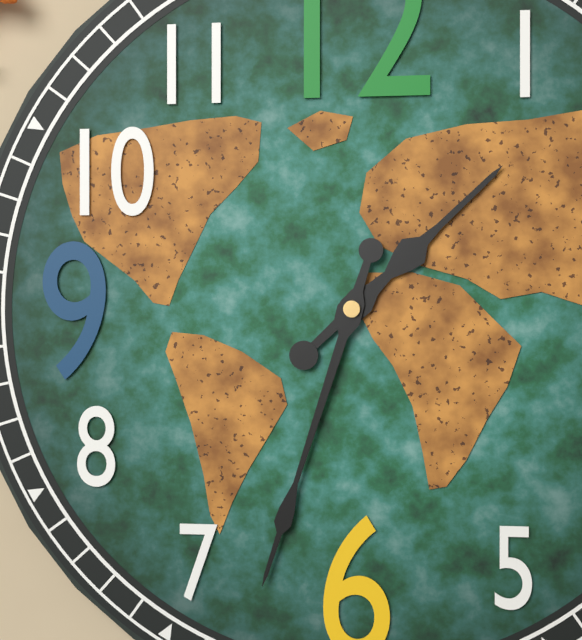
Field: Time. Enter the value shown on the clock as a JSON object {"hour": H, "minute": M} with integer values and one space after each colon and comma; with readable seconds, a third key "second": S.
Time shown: {"hour": 1, "minute": 33}
